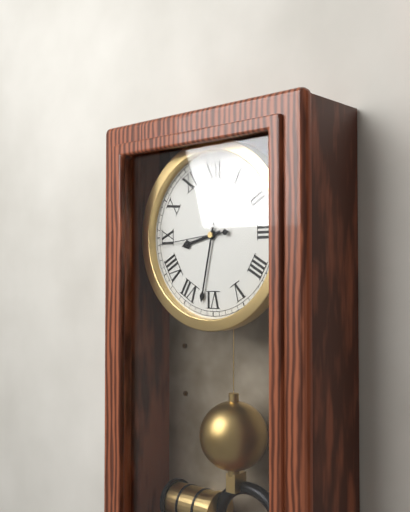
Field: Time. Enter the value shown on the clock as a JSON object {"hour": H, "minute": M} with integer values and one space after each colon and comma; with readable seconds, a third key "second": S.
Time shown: {"hour": 8, "minute": 32, "second": 44}
